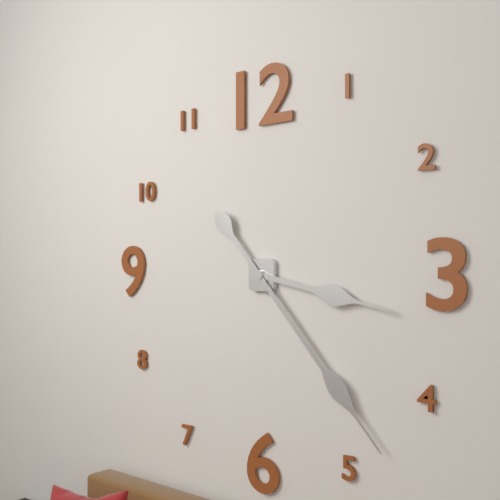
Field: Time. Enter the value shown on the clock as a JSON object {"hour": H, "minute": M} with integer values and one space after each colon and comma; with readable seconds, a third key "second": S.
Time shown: {"hour": 3, "minute": 23}
